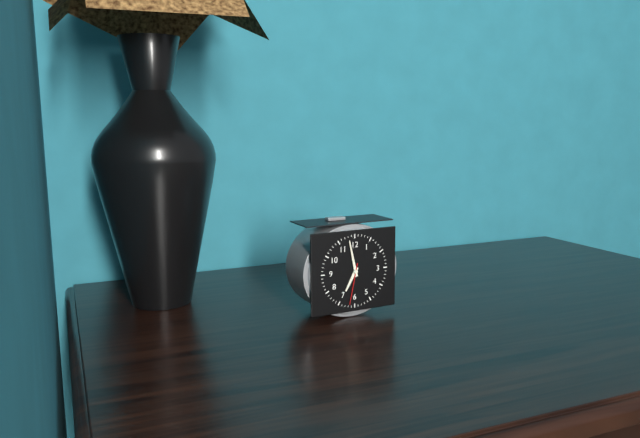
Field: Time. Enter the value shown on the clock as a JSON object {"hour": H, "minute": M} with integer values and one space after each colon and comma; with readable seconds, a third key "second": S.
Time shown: {"hour": 6, "minute": 58, "second": 32}
